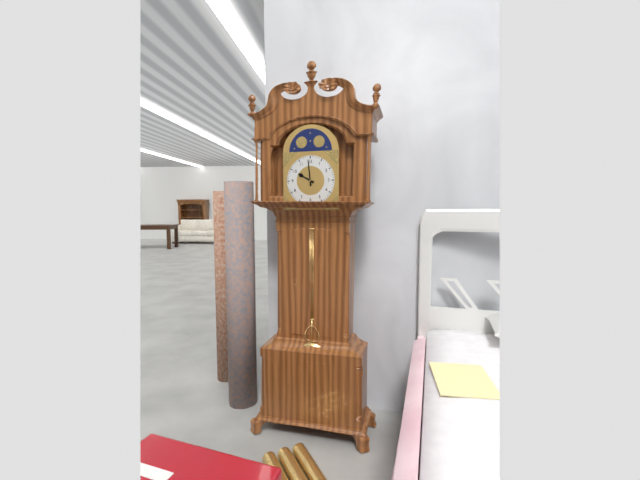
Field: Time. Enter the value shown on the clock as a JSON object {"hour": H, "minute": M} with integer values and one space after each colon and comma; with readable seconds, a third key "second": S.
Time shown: {"hour": 9, "minute": 59}
